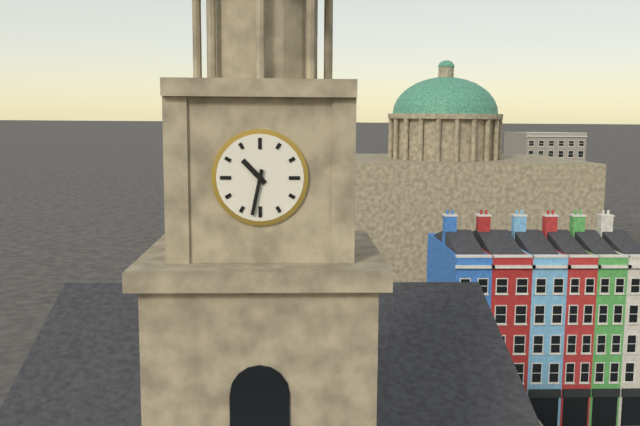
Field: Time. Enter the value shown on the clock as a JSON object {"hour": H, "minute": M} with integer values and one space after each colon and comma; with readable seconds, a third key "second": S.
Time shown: {"hour": 10, "minute": 32}
